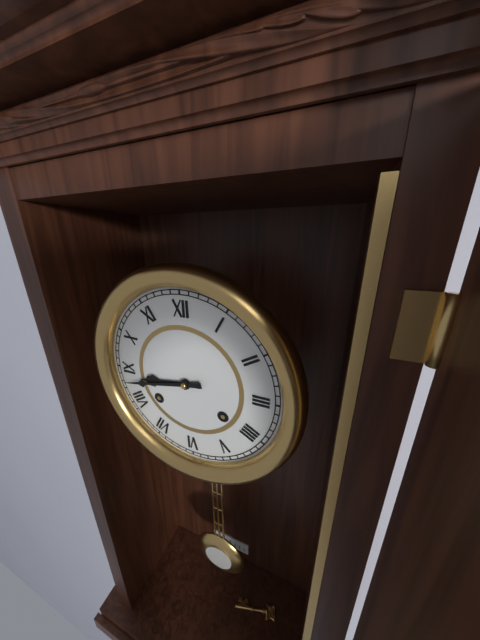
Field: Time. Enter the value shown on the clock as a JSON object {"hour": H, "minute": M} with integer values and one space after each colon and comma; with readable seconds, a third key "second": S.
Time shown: {"hour": 8, "minute": 43}
